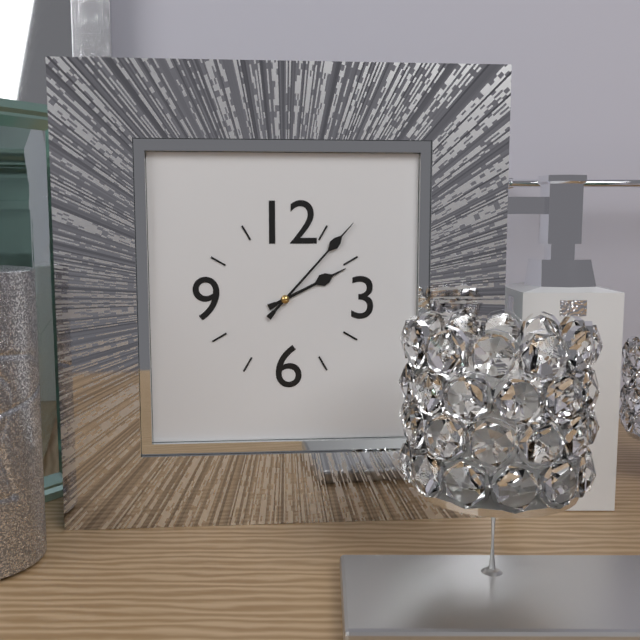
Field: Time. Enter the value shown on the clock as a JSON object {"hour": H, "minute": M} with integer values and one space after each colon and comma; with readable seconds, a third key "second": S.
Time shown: {"hour": 2, "minute": 7}
